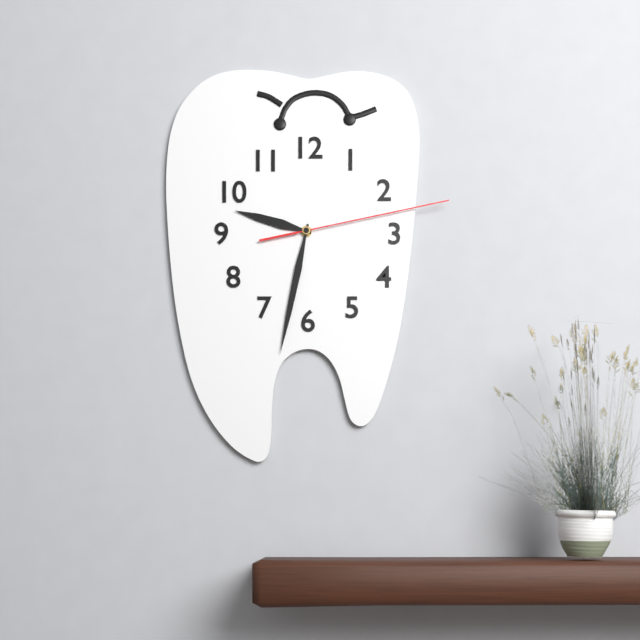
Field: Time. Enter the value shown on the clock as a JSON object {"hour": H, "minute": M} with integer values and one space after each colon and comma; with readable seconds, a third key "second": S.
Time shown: {"hour": 9, "minute": 32, "second": 13}
